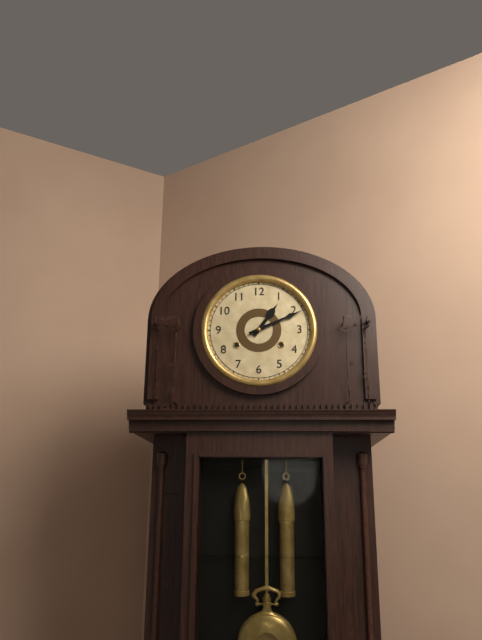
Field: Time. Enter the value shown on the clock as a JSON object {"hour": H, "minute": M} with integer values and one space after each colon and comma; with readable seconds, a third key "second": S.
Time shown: {"hour": 1, "minute": 11}
